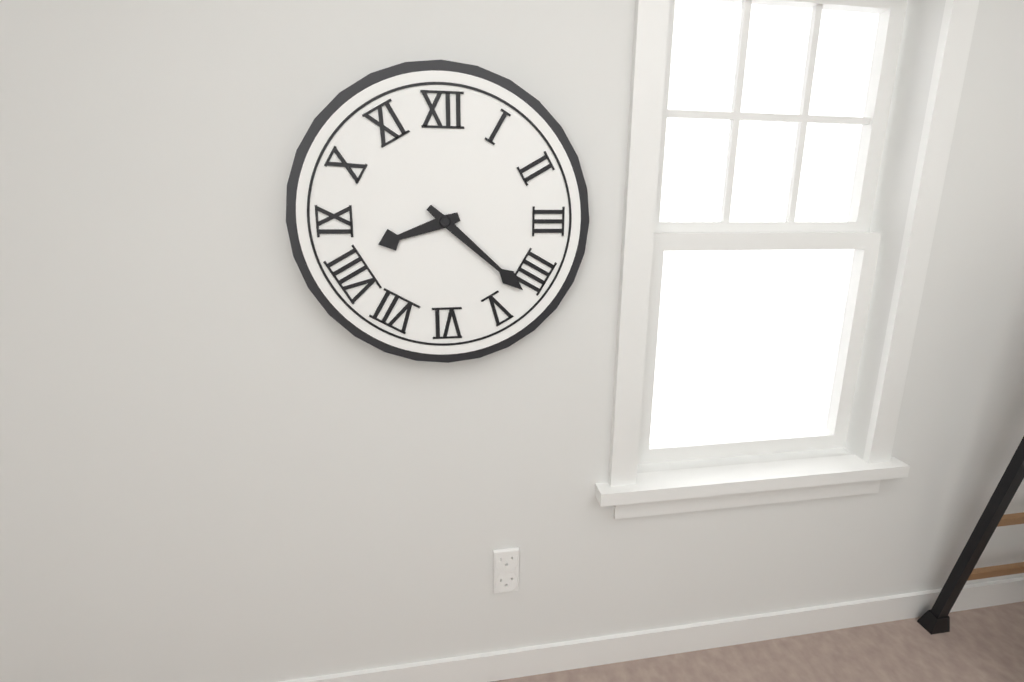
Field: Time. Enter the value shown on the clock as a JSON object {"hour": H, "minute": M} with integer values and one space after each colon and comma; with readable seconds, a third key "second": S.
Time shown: {"hour": 8, "minute": 22}
